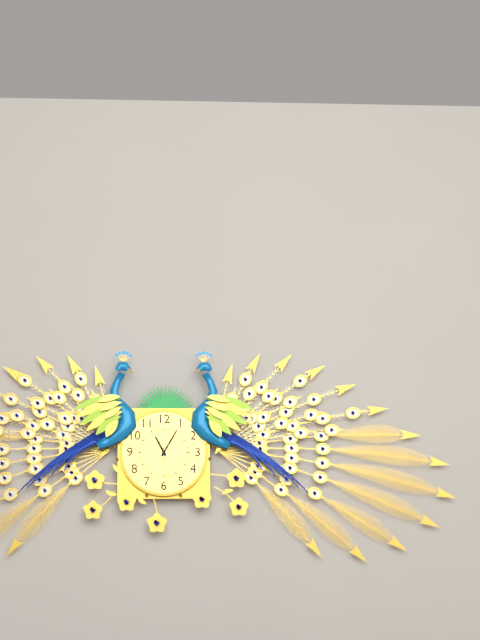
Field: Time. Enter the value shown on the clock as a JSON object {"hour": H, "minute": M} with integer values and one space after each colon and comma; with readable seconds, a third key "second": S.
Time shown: {"hour": 11, "minute": 5}
